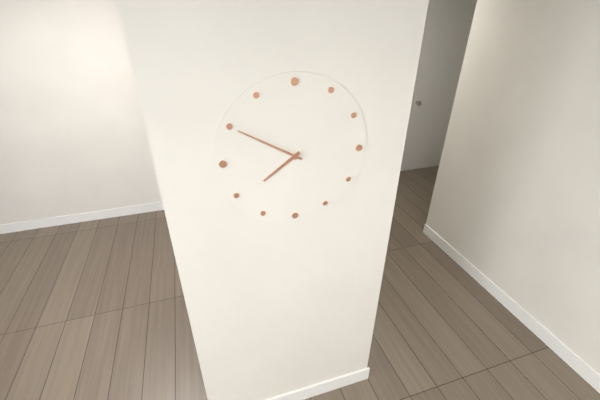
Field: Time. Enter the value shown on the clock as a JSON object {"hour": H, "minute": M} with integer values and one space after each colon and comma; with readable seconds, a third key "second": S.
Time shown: {"hour": 7, "minute": 50}
